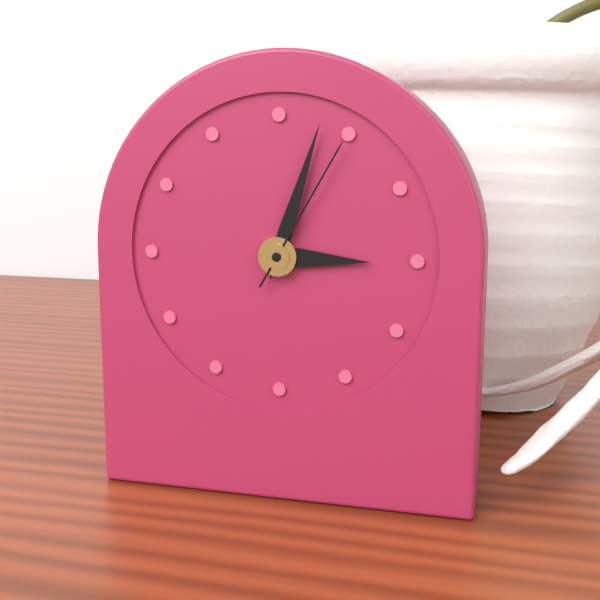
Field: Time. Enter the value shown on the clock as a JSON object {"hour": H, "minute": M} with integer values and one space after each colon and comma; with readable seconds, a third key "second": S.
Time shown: {"hour": 3, "minute": 3, "second": 5}
